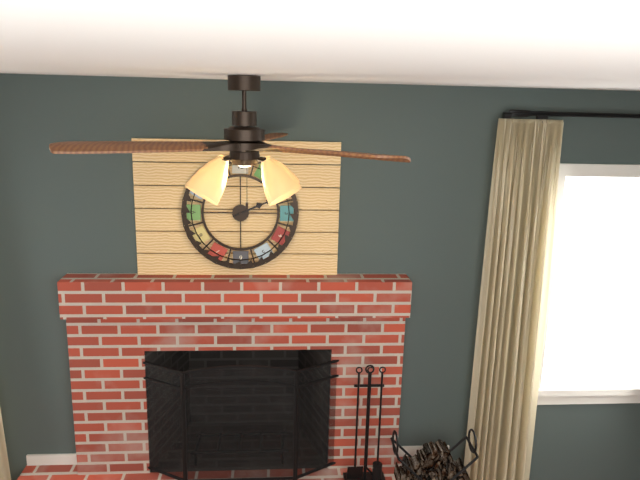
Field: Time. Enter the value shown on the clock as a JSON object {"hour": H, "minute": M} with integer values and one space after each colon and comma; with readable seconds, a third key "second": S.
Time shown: {"hour": 2, "minute": 11}
